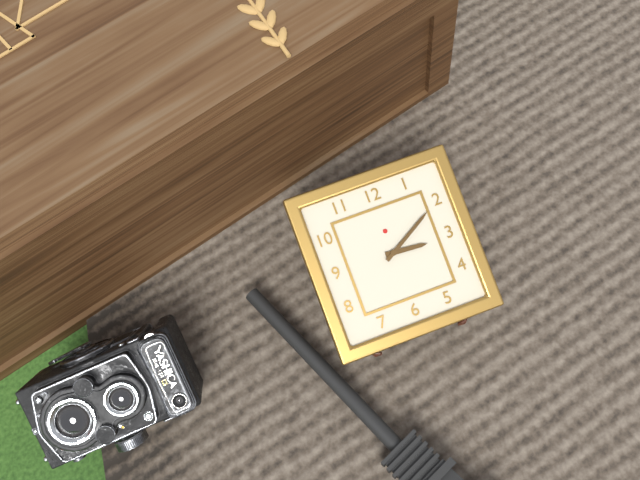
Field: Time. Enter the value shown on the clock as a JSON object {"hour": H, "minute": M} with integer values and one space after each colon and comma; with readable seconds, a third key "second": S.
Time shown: {"hour": 3, "minute": 10}
